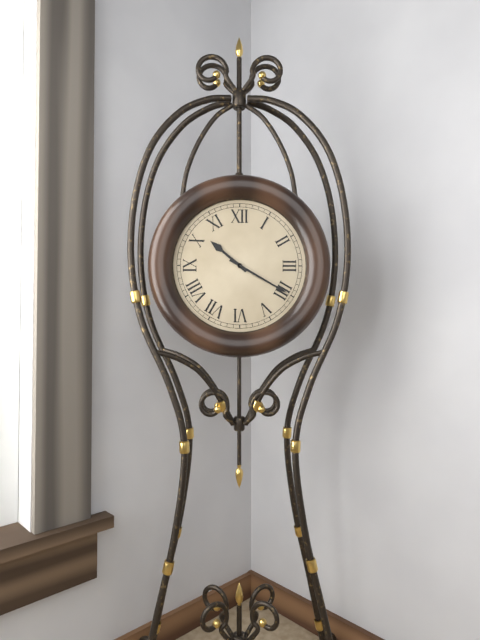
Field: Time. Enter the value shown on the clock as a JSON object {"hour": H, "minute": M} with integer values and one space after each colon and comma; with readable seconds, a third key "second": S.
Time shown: {"hour": 10, "minute": 20}
